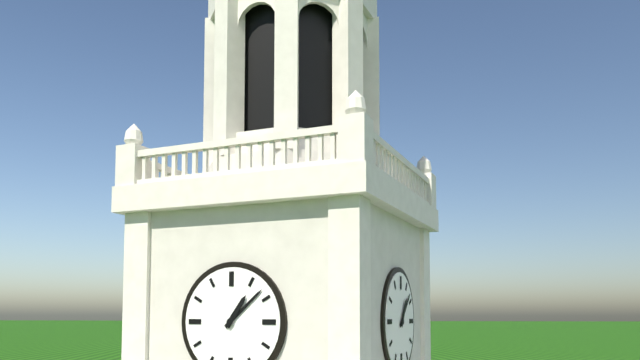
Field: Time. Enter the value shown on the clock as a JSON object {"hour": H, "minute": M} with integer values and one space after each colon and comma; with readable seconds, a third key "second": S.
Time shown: {"hour": 1, "minute": 8}
